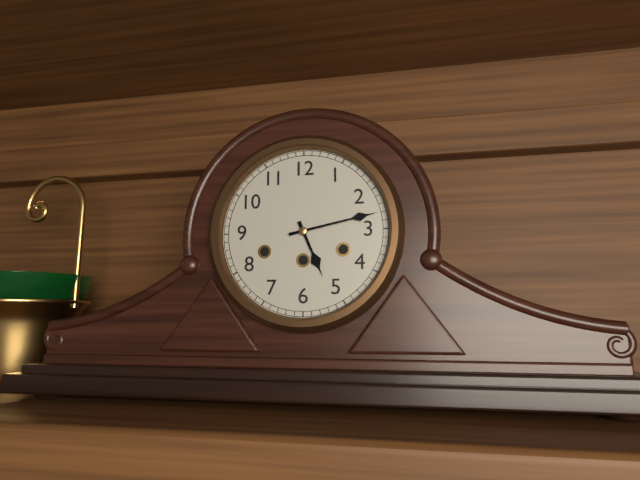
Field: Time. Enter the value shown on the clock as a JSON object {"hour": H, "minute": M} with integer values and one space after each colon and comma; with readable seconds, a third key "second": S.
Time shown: {"hour": 5, "minute": 13}
